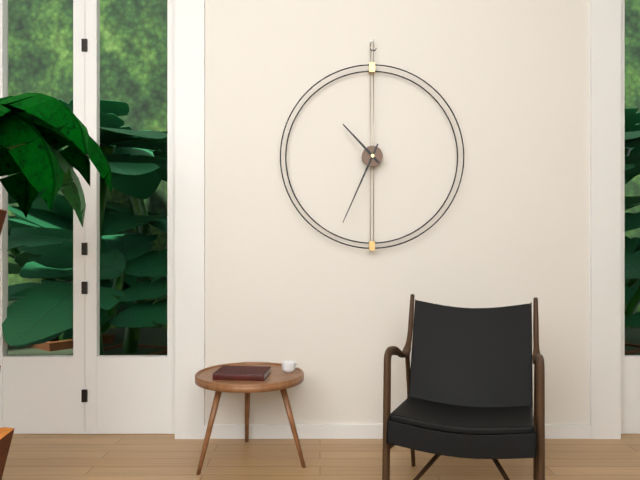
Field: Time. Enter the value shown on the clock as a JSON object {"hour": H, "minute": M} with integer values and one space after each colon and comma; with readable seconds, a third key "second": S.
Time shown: {"hour": 10, "minute": 34}
